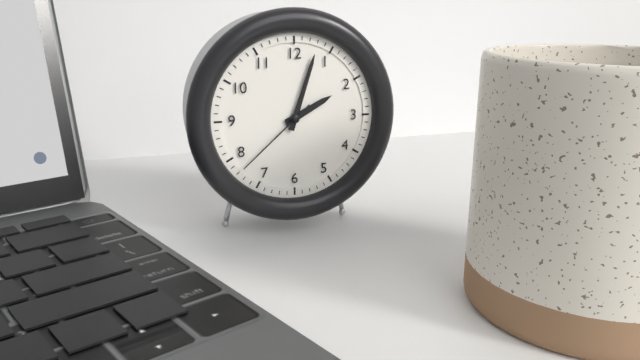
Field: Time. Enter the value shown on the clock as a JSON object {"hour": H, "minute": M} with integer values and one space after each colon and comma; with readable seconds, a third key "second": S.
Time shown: {"hour": 2, "minute": 3, "second": 38}
